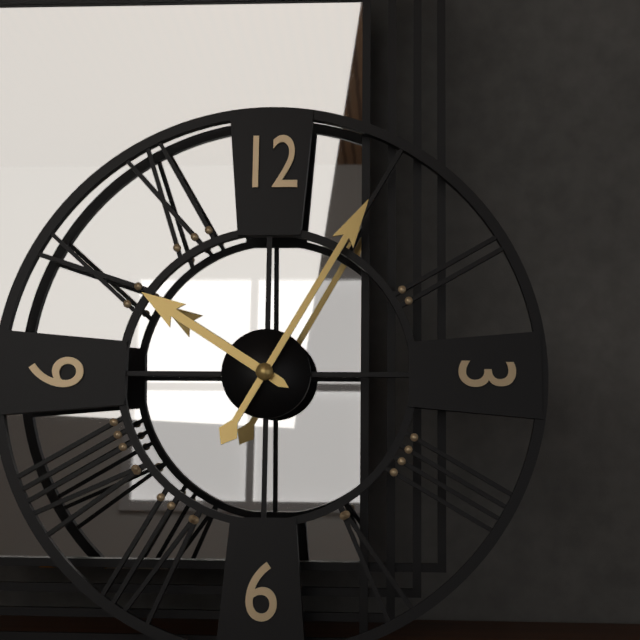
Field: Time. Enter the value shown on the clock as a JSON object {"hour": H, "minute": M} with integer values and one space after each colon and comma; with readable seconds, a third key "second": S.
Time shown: {"hour": 10, "minute": 5}
